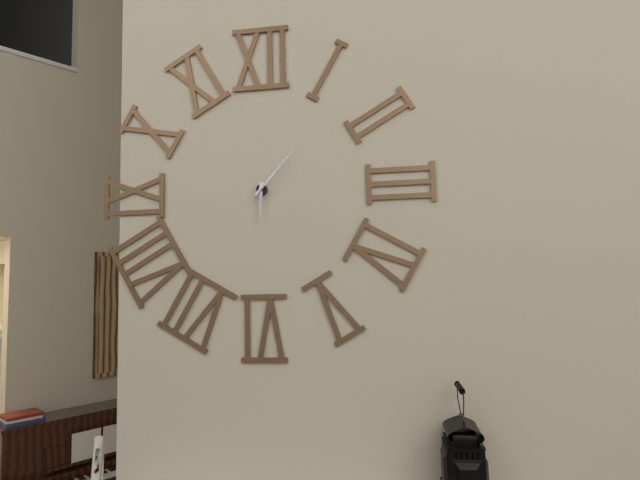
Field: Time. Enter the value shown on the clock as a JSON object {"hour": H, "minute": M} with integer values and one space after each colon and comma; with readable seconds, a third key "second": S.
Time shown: {"hour": 6, "minute": 7}
